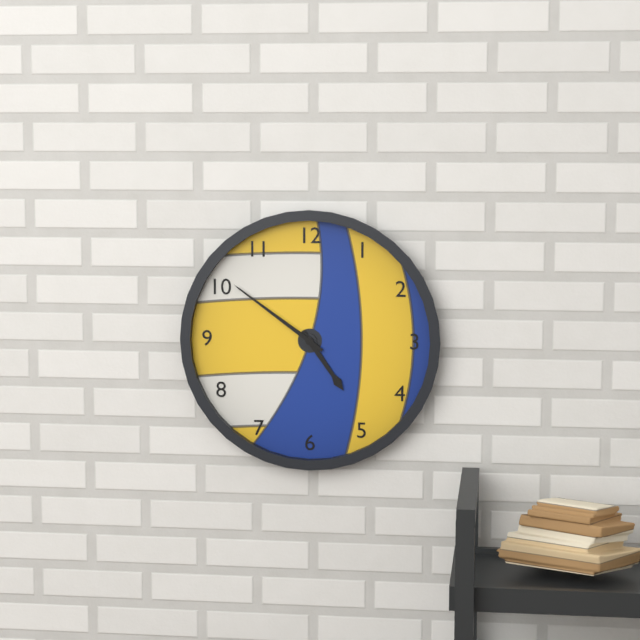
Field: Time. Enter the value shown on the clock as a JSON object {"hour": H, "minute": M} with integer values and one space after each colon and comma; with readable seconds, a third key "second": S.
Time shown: {"hour": 4, "minute": 51}
